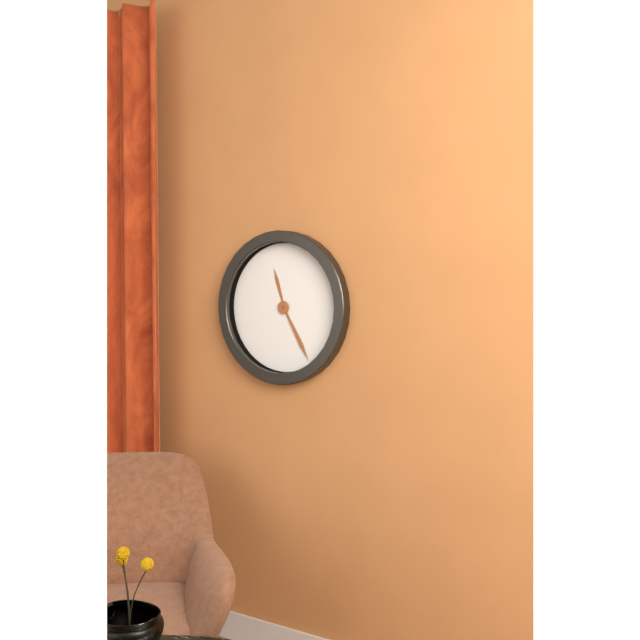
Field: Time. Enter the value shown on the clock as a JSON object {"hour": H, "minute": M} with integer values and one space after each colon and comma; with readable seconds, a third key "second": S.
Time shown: {"hour": 11, "minute": 25}
